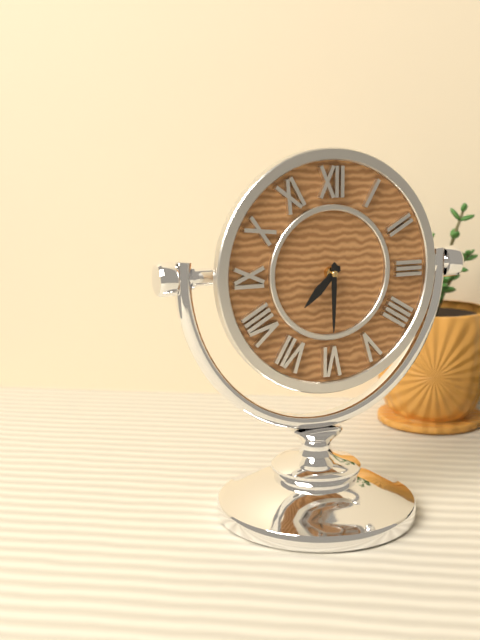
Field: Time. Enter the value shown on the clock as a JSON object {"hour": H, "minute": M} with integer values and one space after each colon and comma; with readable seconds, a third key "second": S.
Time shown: {"hour": 7, "minute": 30}
